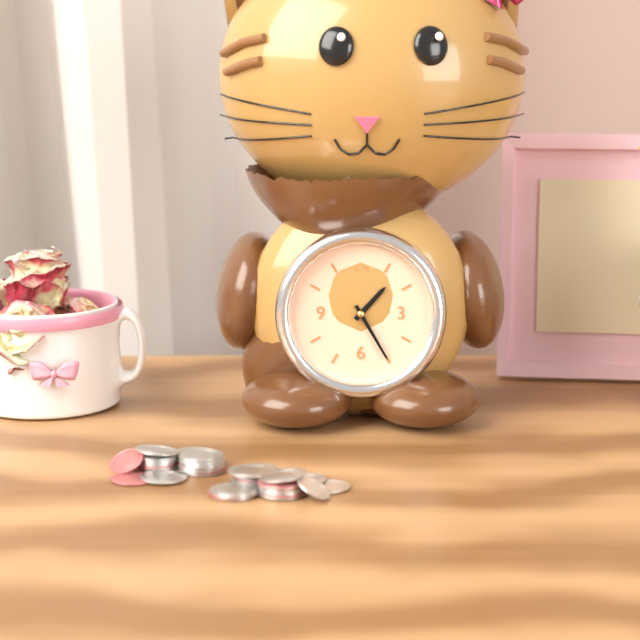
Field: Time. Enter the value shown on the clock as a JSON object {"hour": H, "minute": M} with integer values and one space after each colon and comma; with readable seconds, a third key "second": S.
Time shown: {"hour": 1, "minute": 25}
